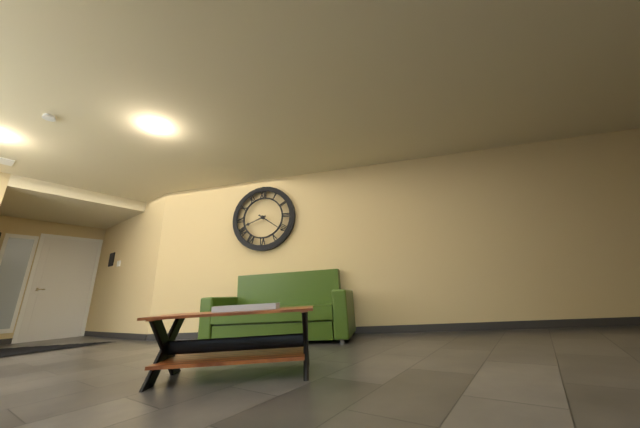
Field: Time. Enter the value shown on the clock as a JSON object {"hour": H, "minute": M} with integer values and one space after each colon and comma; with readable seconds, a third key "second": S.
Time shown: {"hour": 8, "minute": 21}
